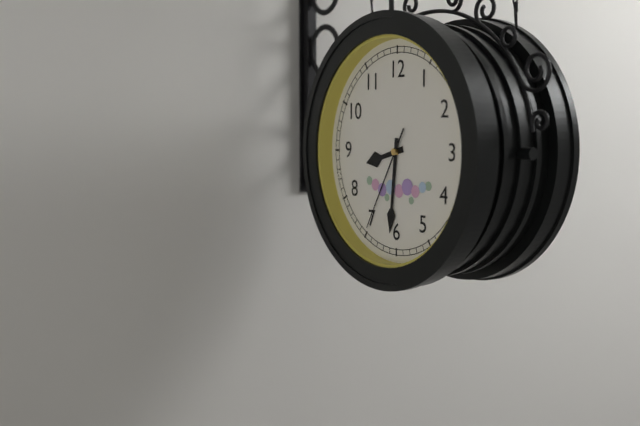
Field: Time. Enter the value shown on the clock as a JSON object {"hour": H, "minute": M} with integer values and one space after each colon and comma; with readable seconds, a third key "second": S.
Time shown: {"hour": 8, "minute": 31, "second": 35}
